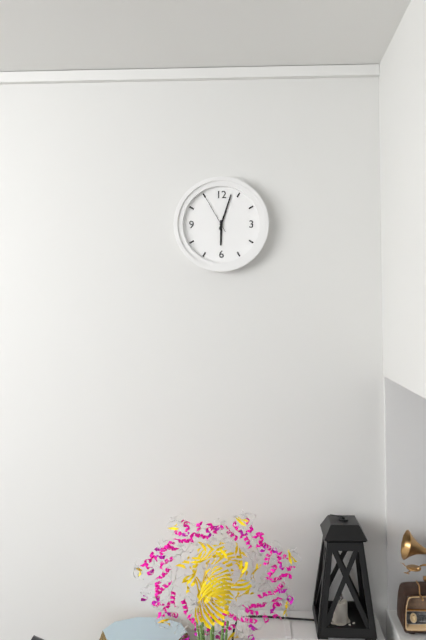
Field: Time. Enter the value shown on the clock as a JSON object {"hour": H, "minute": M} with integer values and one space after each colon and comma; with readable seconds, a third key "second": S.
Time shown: {"hour": 6, "minute": 3}
